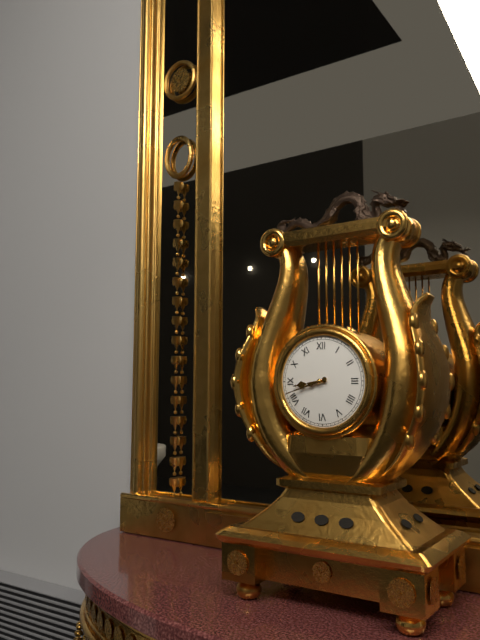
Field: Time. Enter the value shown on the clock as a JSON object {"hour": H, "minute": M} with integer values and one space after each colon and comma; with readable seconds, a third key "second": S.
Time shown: {"hour": 8, "minute": 42}
